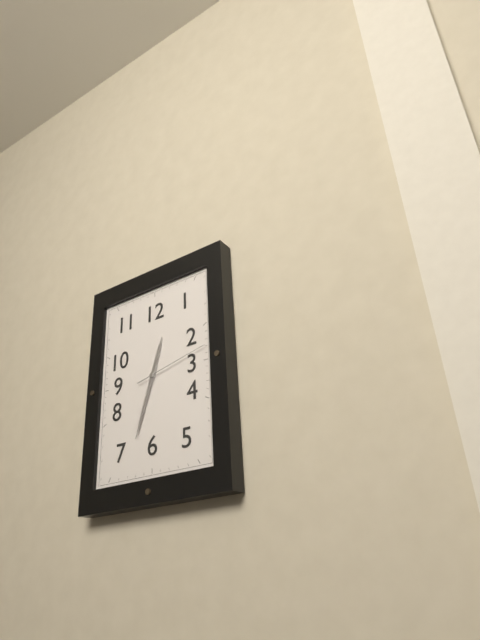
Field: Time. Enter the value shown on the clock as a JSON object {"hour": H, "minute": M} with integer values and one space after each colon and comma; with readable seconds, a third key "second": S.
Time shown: {"hour": 12, "minute": 33, "second": 13}
